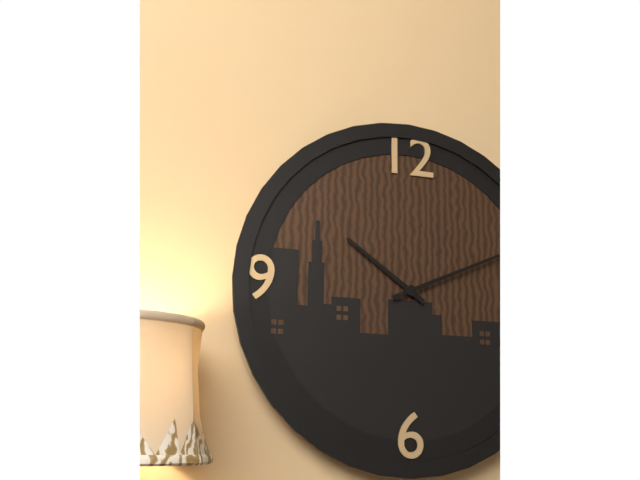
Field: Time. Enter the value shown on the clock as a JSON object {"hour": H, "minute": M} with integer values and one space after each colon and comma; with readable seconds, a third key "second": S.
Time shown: {"hour": 10, "minute": 11}
